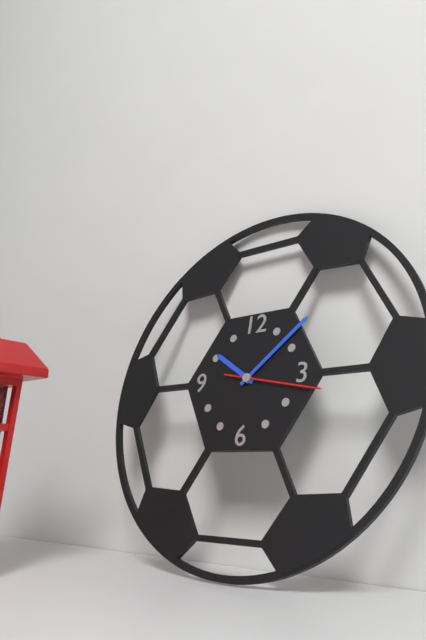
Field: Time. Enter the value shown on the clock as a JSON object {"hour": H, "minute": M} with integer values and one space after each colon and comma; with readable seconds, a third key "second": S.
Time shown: {"hour": 10, "minute": 8, "second": 17}
